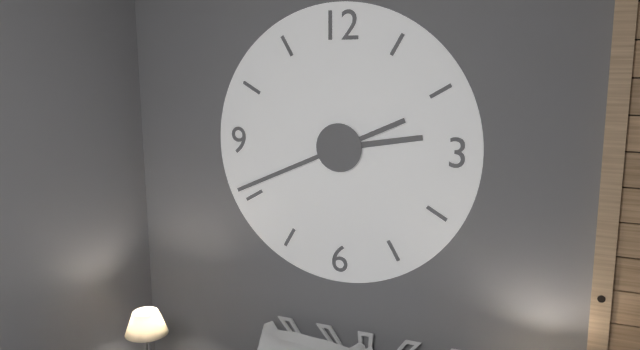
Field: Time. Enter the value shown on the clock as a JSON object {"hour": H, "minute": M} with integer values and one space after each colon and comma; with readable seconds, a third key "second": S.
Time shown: {"hour": 2, "minute": 41}
